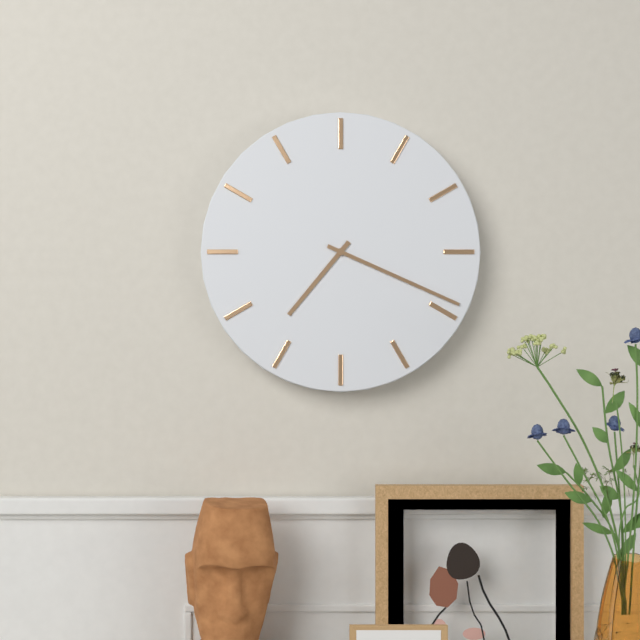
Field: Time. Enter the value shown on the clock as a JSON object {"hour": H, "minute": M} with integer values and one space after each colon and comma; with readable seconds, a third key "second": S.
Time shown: {"hour": 7, "minute": 19}
